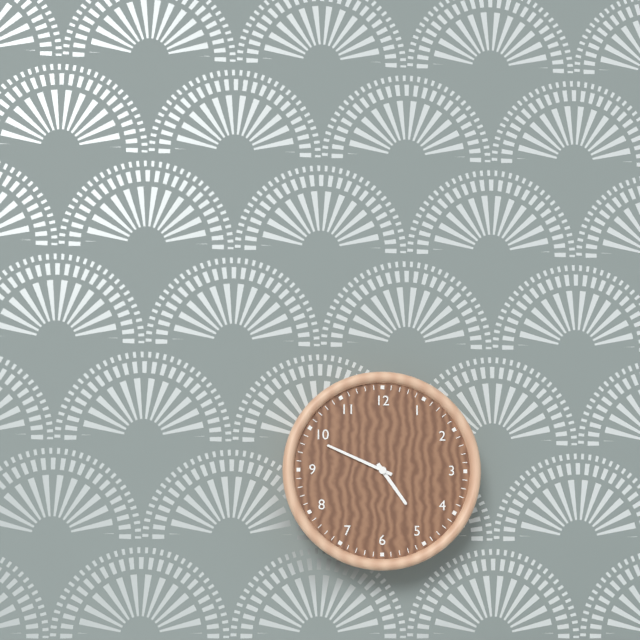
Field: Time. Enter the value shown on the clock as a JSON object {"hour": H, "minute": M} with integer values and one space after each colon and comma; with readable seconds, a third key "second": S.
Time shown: {"hour": 4, "minute": 49}
